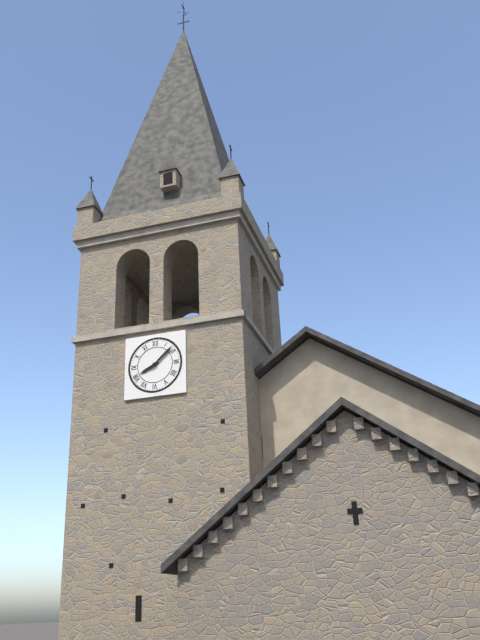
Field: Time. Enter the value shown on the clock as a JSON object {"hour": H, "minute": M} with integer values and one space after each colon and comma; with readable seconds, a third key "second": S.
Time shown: {"hour": 8, "minute": 8}
